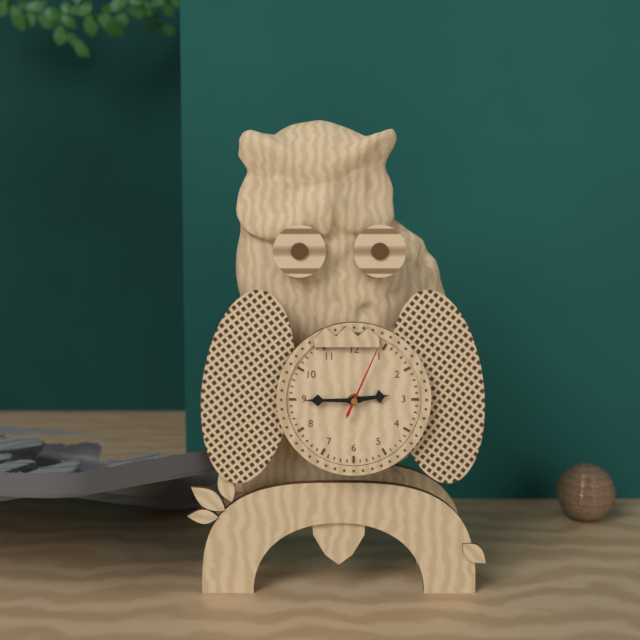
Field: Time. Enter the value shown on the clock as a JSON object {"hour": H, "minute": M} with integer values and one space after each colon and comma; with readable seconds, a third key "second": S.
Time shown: {"hour": 2, "minute": 45, "second": 4}
